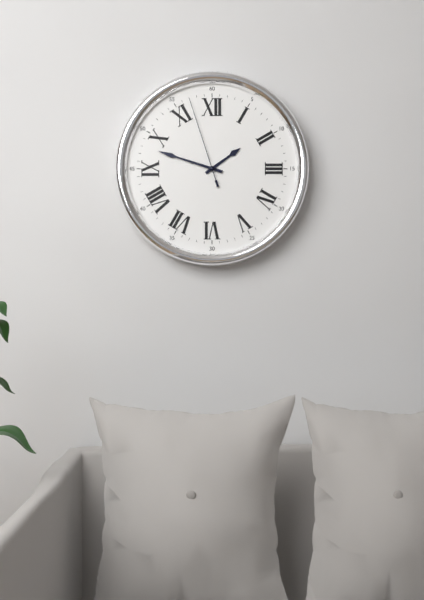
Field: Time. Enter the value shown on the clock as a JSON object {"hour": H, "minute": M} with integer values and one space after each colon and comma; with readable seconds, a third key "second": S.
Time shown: {"hour": 1, "minute": 48, "second": 57}
